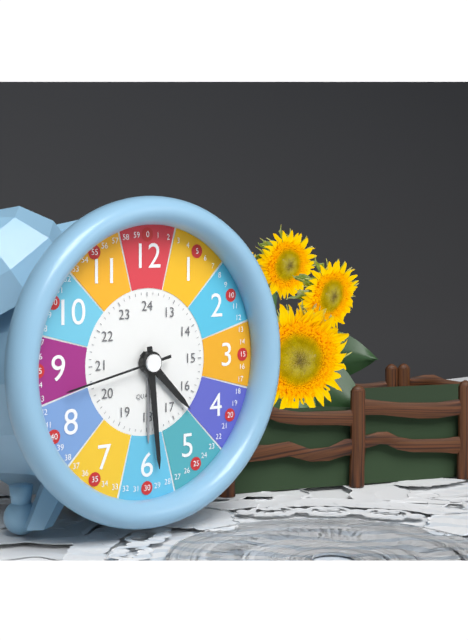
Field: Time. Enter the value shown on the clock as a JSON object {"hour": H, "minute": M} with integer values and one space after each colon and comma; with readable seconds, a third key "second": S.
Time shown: {"hour": 4, "minute": 29, "second": 43}
